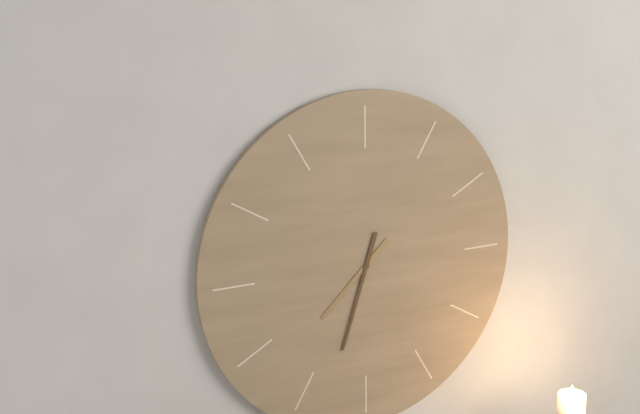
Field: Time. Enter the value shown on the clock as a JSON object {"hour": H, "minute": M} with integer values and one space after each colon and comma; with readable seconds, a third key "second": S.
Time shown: {"hour": 7, "minute": 33}
